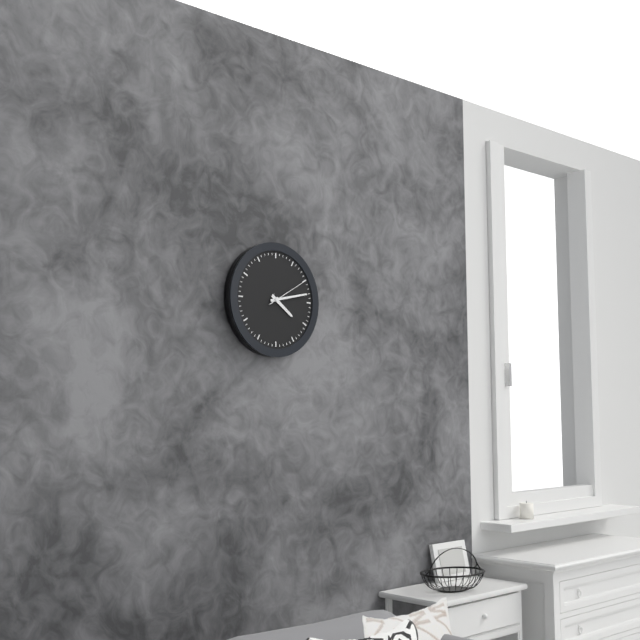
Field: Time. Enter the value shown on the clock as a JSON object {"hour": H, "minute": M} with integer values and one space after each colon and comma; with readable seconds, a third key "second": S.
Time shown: {"hour": 4, "minute": 13, "second": 10}
